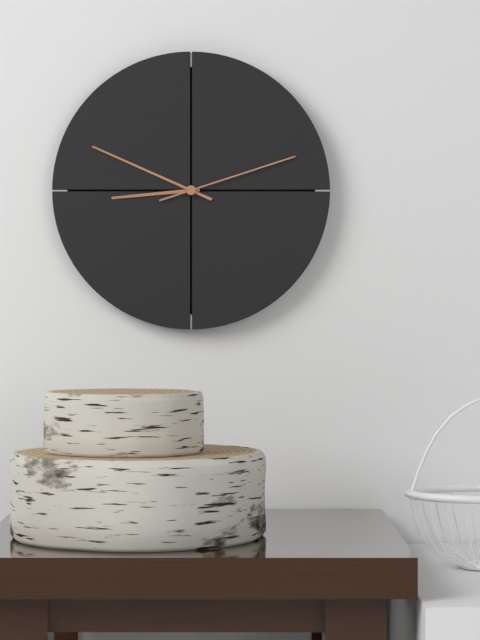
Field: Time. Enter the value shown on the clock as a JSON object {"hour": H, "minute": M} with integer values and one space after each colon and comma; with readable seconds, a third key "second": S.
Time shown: {"hour": 8, "minute": 49, "second": 12}
